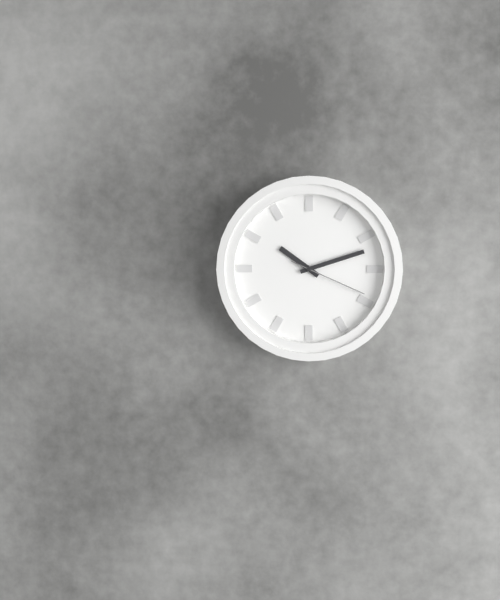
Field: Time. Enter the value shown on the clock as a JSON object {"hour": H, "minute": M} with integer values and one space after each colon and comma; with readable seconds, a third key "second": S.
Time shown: {"hour": 10, "minute": 12, "second": 19}
